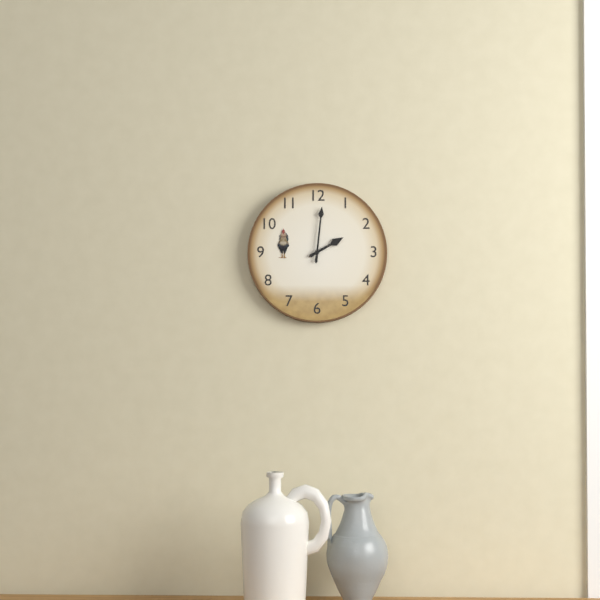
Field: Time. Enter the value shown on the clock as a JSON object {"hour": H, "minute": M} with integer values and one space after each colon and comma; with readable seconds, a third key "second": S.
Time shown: {"hour": 2, "minute": 1}
